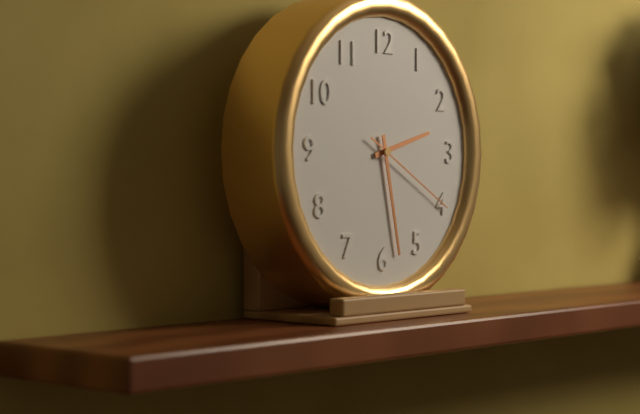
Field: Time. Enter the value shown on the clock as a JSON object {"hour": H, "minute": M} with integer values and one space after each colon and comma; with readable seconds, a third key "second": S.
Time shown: {"hour": 2, "minute": 28, "second": 20}
